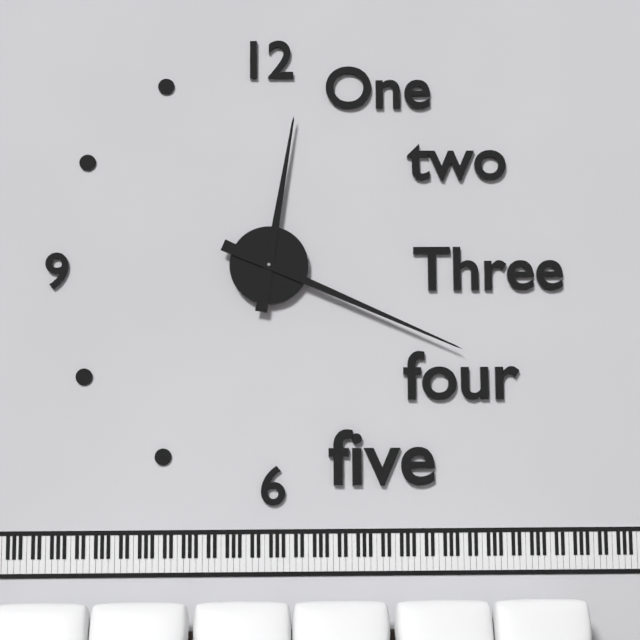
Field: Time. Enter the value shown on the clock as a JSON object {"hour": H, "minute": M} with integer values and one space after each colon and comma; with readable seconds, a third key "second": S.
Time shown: {"hour": 12, "minute": 19}
